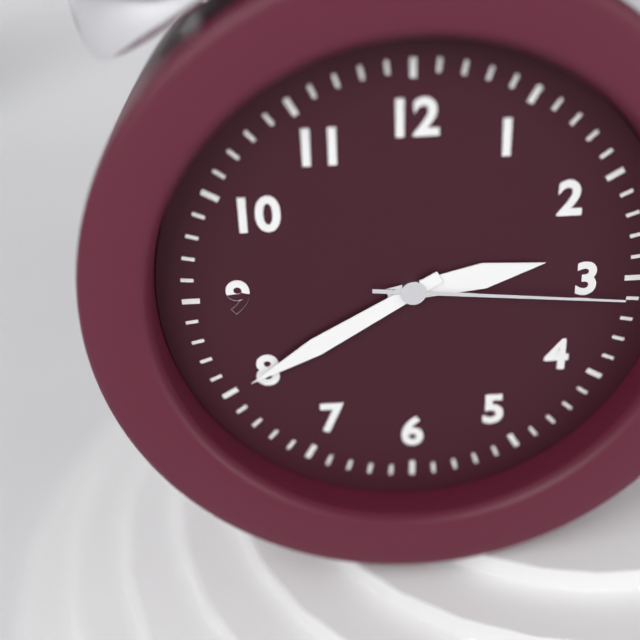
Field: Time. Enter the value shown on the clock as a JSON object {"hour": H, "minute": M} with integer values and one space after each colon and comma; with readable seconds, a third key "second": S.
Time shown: {"hour": 2, "minute": 40, "second": 16}
